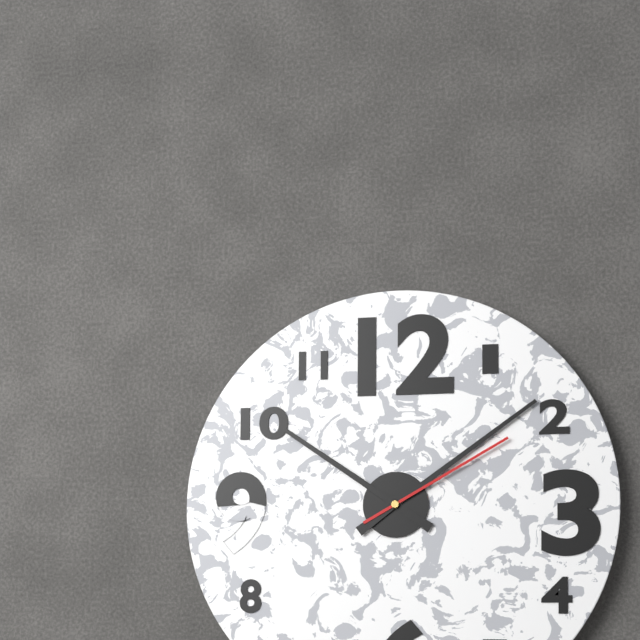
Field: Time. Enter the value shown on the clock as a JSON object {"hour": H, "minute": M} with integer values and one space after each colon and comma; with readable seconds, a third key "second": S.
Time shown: {"hour": 10, "minute": 9, "second": 10}
